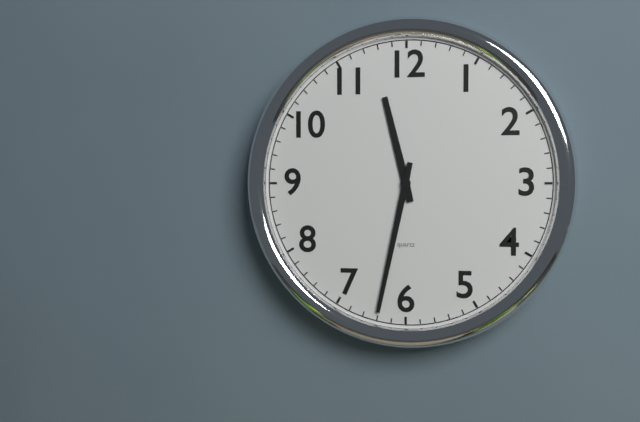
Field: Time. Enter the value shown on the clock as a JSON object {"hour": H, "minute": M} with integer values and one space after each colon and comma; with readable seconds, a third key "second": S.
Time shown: {"hour": 11, "minute": 32}
